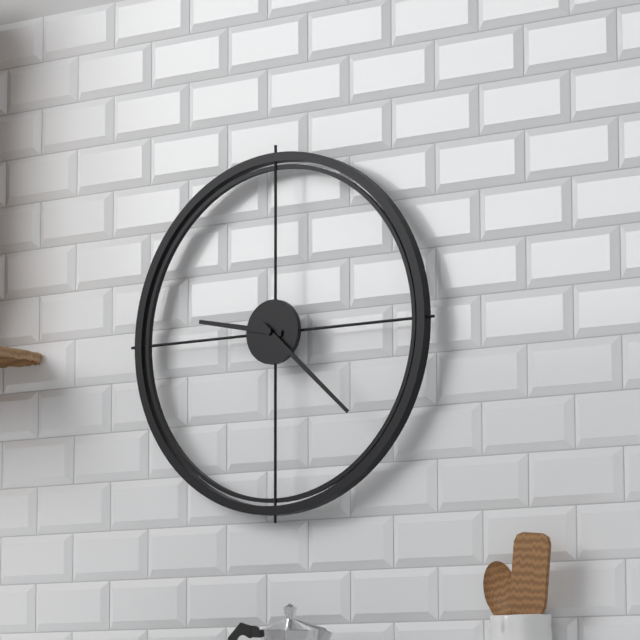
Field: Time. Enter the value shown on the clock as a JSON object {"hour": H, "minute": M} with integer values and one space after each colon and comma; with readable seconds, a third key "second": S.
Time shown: {"hour": 9, "minute": 22}
